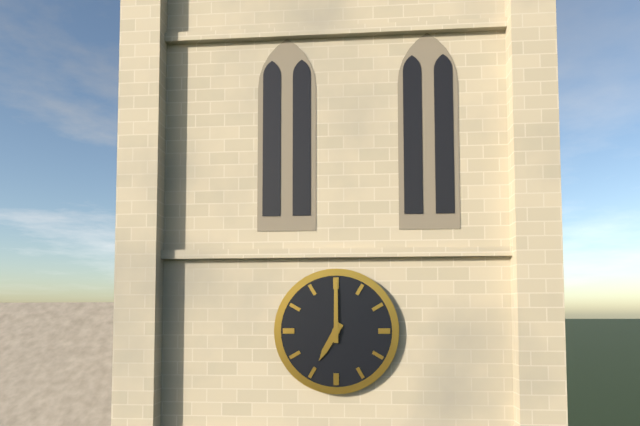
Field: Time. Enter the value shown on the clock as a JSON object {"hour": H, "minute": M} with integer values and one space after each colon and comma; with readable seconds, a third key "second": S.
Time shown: {"hour": 7, "minute": 0}
